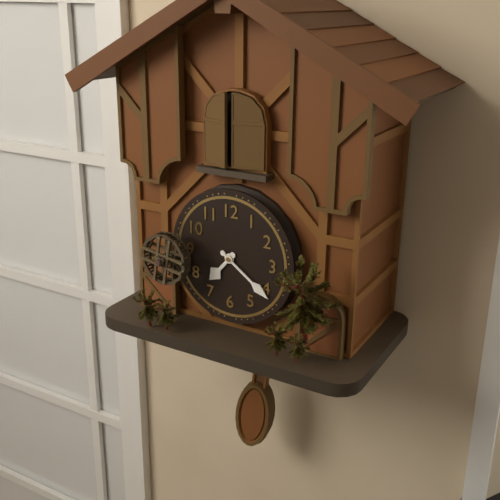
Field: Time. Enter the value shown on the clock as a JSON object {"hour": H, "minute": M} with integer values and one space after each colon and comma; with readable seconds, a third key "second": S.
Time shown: {"hour": 7, "minute": 21}
